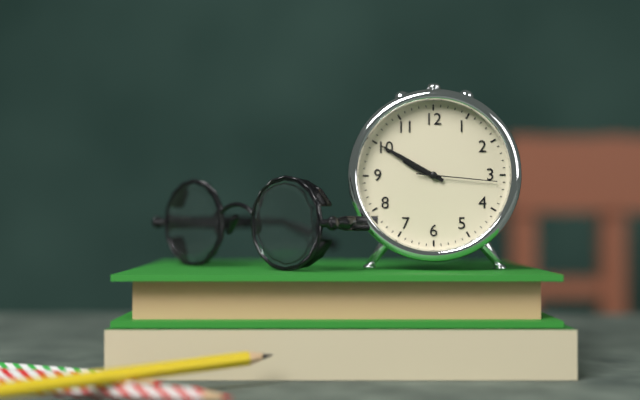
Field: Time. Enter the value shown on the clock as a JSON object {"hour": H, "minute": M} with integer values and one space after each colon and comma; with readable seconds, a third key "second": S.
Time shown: {"hour": 9, "minute": 50, "second": 16}
